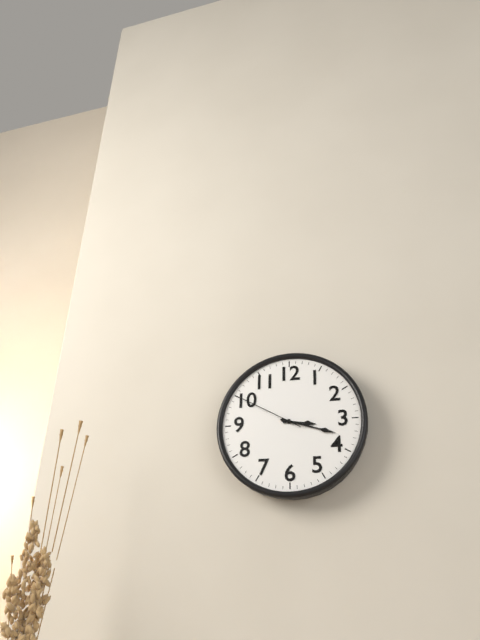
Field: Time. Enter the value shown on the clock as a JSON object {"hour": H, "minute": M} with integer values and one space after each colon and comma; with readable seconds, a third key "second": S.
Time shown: {"hour": 3, "minute": 18, "second": 50}
